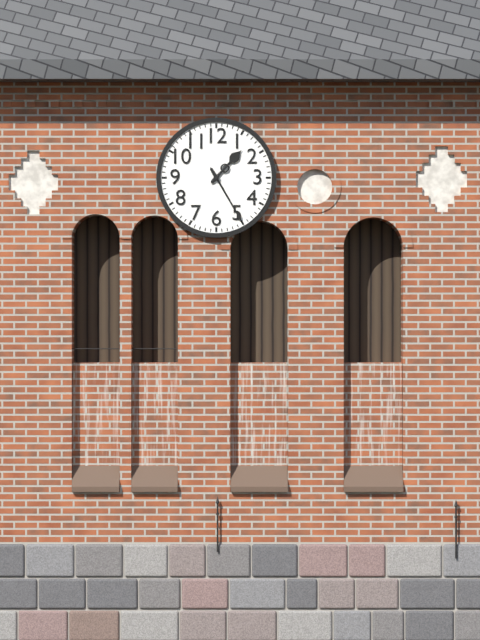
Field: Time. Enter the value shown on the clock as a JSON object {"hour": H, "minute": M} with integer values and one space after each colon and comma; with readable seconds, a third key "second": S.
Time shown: {"hour": 1, "minute": 25}
